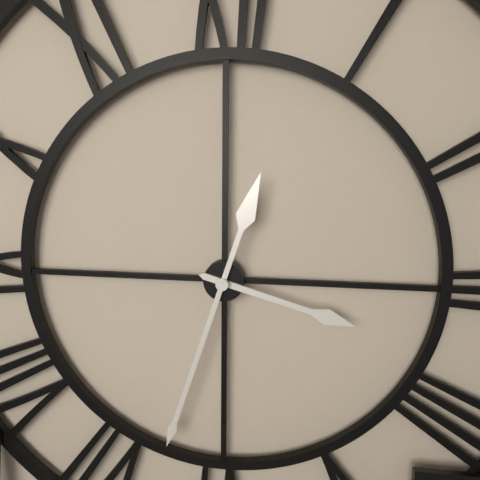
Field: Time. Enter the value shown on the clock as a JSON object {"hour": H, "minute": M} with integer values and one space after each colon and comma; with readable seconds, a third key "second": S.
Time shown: {"hour": 3, "minute": 33}
